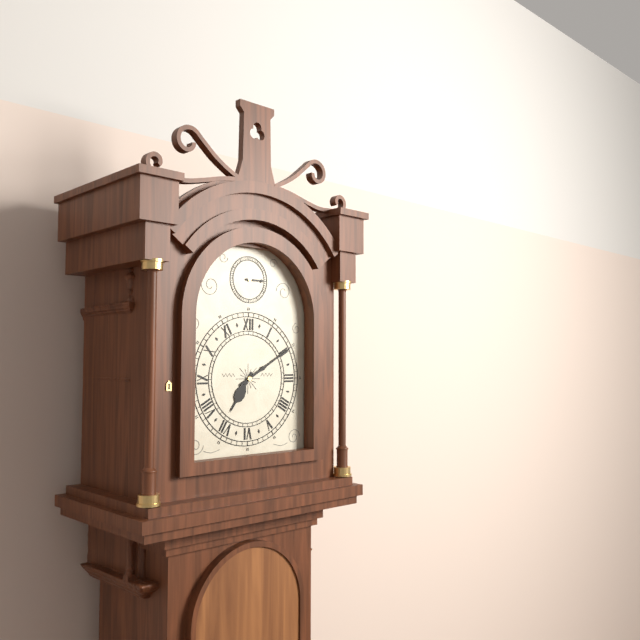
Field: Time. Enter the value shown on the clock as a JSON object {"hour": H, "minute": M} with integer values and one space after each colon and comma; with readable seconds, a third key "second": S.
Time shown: {"hour": 7, "minute": 10}
